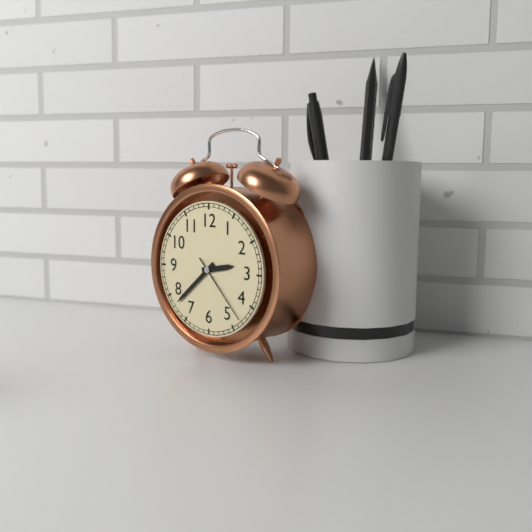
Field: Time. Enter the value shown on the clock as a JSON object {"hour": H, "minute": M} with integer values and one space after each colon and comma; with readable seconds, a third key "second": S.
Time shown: {"hour": 2, "minute": 38, "second": 23}
